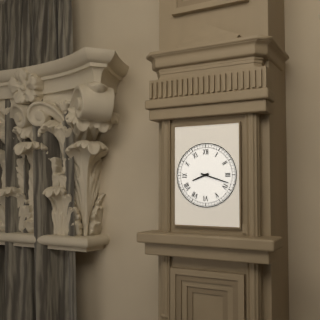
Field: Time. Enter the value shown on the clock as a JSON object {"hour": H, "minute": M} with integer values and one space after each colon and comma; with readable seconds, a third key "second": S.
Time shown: {"hour": 8, "minute": 18}
